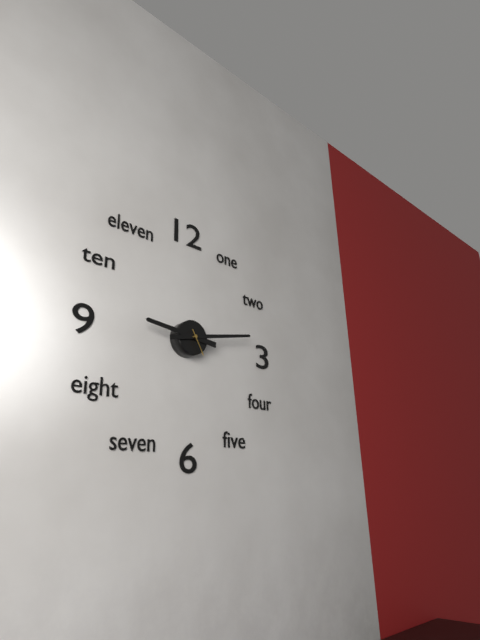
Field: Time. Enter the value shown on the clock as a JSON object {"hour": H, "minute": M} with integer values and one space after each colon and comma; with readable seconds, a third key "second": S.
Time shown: {"hour": 9, "minute": 13}
